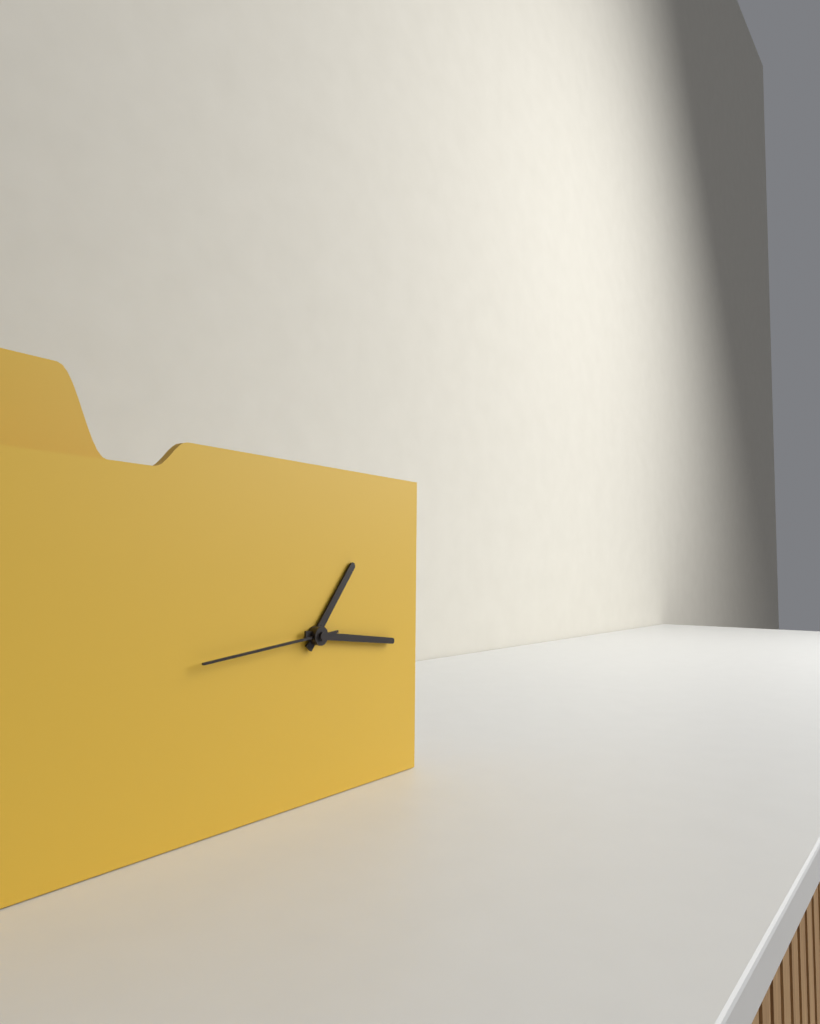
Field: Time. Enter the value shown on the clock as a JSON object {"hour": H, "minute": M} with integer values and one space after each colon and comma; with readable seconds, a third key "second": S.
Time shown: {"hour": 1, "minute": 16, "second": 44}
